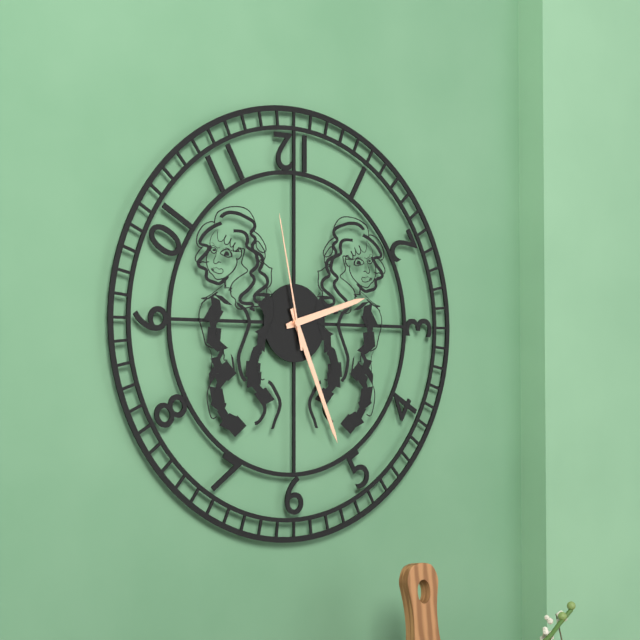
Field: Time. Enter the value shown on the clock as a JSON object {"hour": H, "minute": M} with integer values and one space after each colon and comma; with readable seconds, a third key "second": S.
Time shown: {"hour": 2, "minute": 26, "second": 58}
